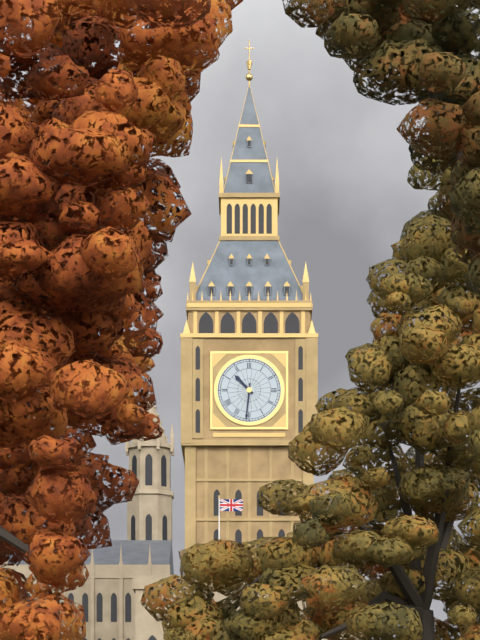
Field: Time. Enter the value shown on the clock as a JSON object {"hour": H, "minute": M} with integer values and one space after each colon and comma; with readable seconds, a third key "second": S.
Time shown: {"hour": 10, "minute": 31}
